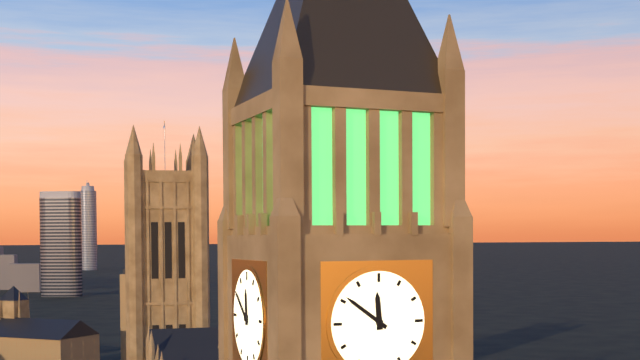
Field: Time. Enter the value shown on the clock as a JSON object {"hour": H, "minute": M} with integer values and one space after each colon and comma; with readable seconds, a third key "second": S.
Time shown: {"hour": 11, "minute": 51}
